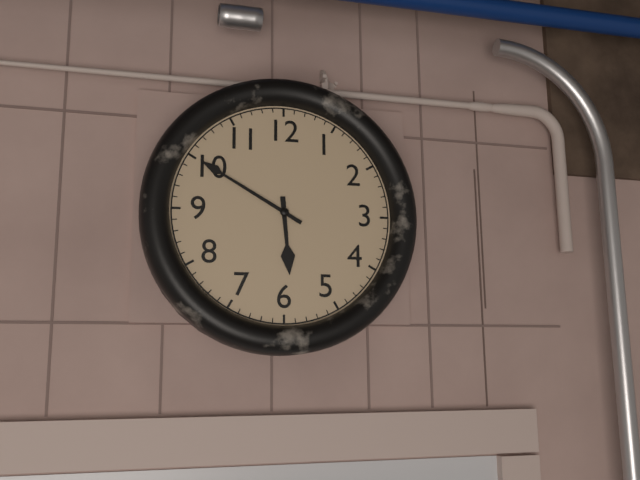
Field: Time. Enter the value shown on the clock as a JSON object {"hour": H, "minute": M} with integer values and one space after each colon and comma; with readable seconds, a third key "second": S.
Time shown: {"hour": 5, "minute": 50}
